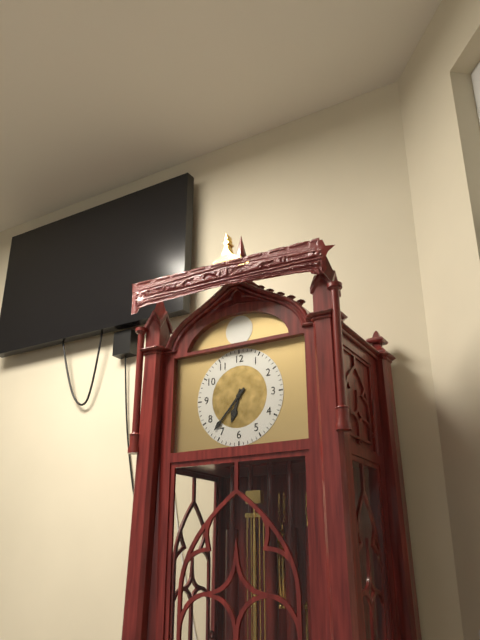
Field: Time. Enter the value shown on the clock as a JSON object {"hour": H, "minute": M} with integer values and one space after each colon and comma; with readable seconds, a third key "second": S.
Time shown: {"hour": 6, "minute": 37}
